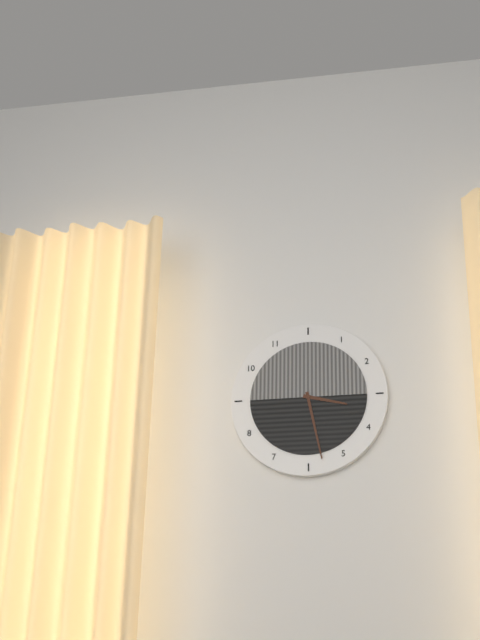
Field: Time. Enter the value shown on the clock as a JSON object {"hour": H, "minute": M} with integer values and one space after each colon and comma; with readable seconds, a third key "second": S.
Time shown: {"hour": 3, "minute": 28}
